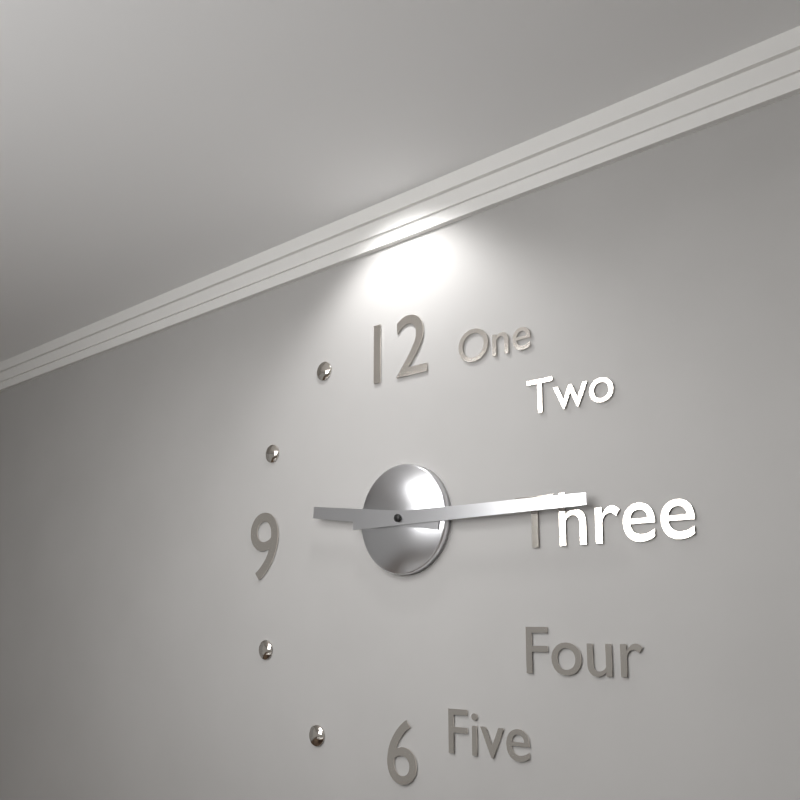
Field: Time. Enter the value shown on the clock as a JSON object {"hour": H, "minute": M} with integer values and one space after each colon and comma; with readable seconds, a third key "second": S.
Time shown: {"hour": 9, "minute": 15}
